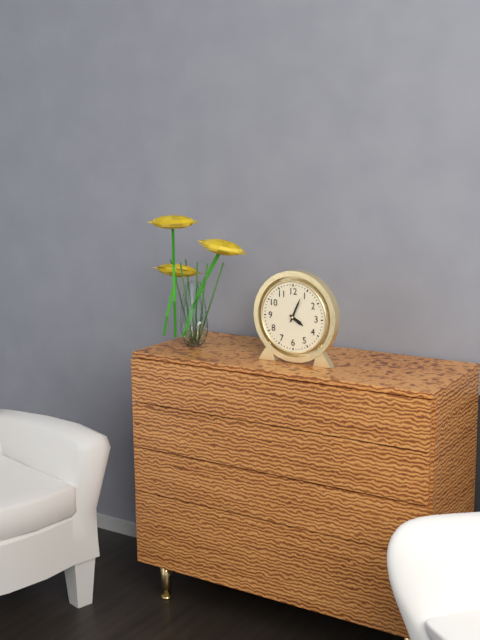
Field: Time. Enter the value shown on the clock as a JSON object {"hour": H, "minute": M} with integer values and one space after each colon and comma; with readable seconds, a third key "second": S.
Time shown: {"hour": 4, "minute": 4}
